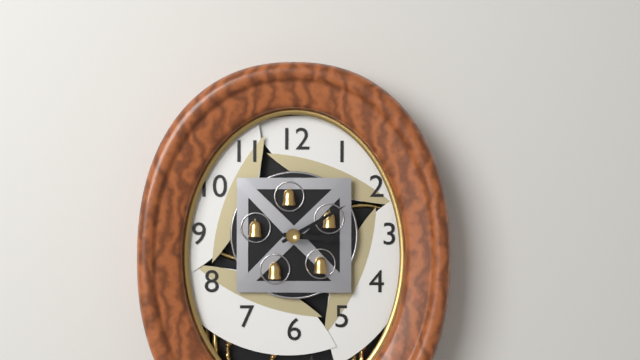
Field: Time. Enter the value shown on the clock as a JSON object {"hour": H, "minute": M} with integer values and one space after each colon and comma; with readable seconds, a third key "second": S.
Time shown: {"hour": 3, "minute": 10}
